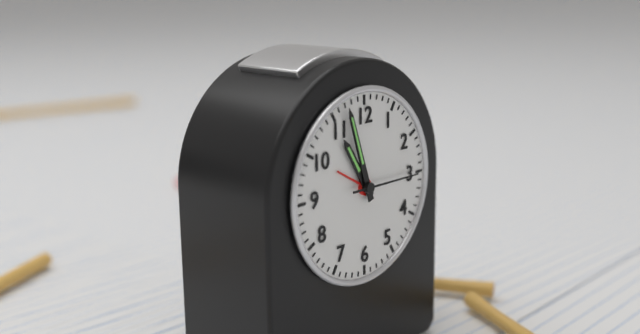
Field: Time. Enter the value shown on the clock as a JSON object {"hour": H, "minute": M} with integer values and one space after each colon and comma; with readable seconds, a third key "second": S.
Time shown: {"hour": 10, "minute": 57, "second": 15}
